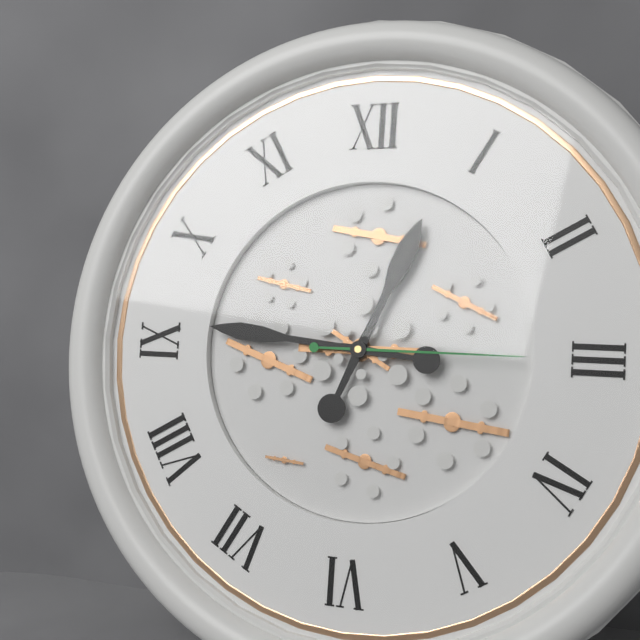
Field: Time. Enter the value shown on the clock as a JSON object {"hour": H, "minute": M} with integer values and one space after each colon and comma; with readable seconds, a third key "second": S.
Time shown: {"hour": 12, "minute": 46, "second": 15}
